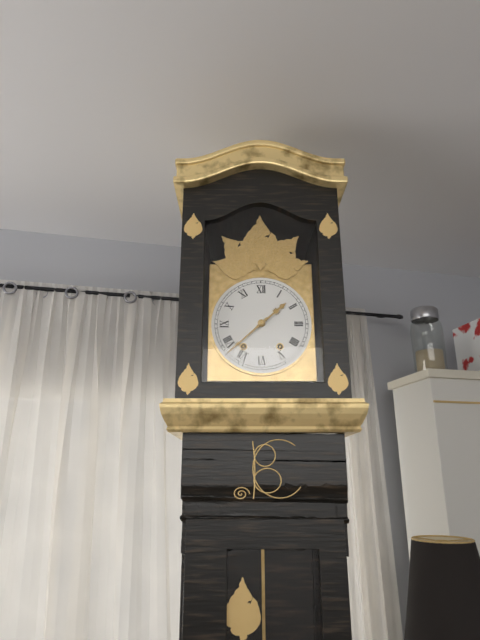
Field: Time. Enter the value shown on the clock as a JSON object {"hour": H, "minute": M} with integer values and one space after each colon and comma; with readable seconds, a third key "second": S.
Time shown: {"hour": 1, "minute": 38}
